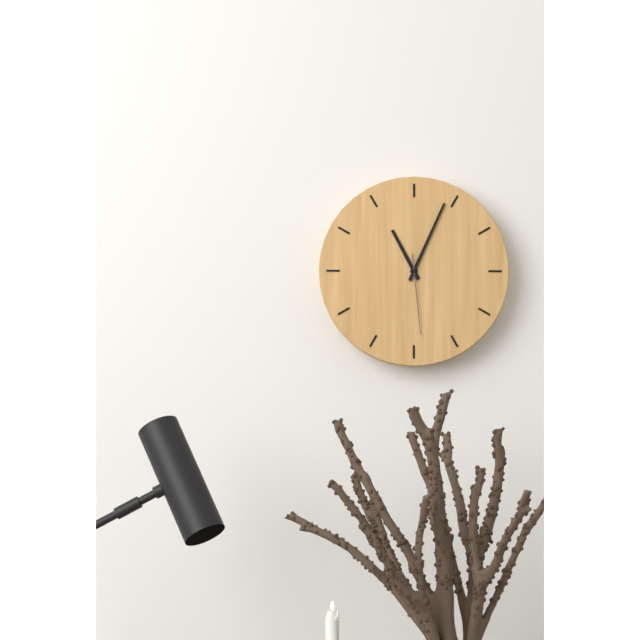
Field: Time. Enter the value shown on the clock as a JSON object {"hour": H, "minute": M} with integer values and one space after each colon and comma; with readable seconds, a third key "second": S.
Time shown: {"hour": 11, "minute": 4, "second": 29}
